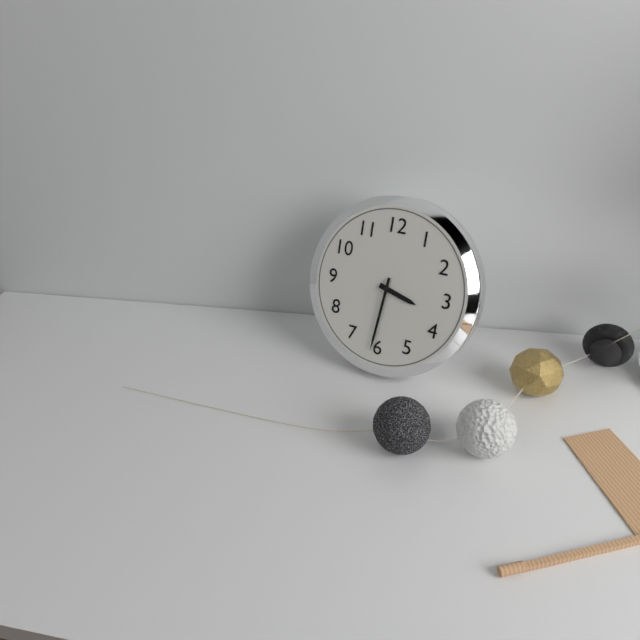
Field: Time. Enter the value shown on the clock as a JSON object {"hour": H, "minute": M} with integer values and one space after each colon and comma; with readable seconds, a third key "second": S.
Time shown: {"hour": 3, "minute": 31}
